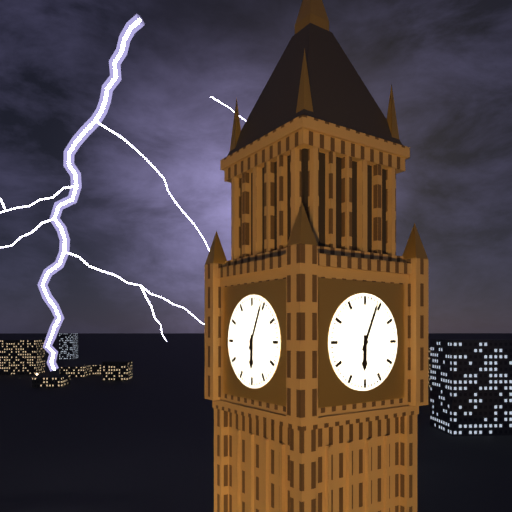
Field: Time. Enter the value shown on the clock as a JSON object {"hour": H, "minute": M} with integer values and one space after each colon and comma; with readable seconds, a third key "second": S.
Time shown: {"hour": 6, "minute": 4}
